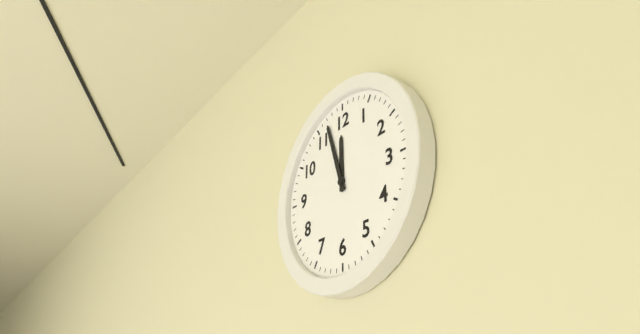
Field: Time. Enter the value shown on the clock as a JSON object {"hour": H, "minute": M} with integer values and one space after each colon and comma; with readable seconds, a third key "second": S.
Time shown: {"hour": 11, "minute": 57}
